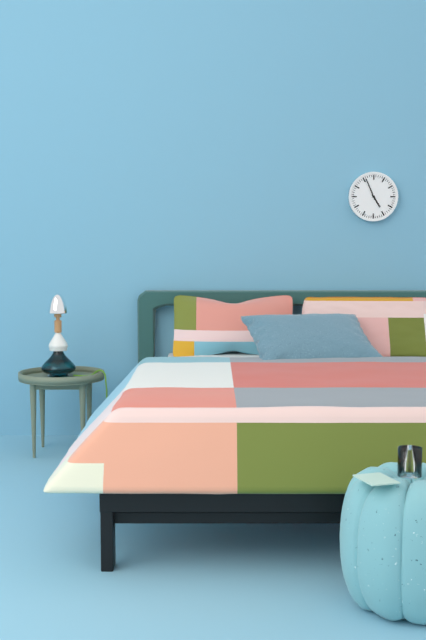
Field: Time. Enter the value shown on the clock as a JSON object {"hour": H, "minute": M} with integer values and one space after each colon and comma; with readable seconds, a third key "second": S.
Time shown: {"hour": 4, "minute": 56}
